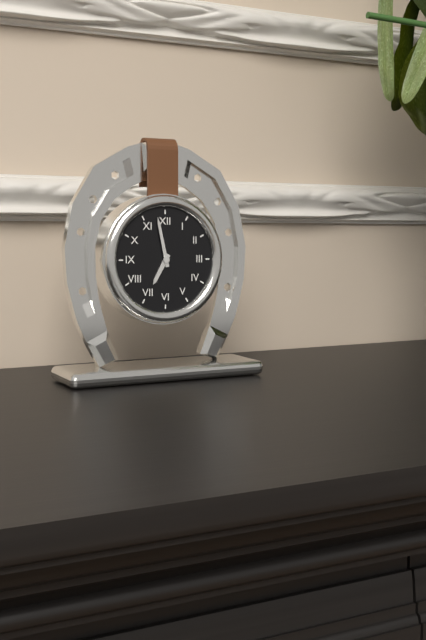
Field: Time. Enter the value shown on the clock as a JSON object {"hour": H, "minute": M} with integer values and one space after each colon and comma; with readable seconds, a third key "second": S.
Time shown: {"hour": 6, "minute": 58}
